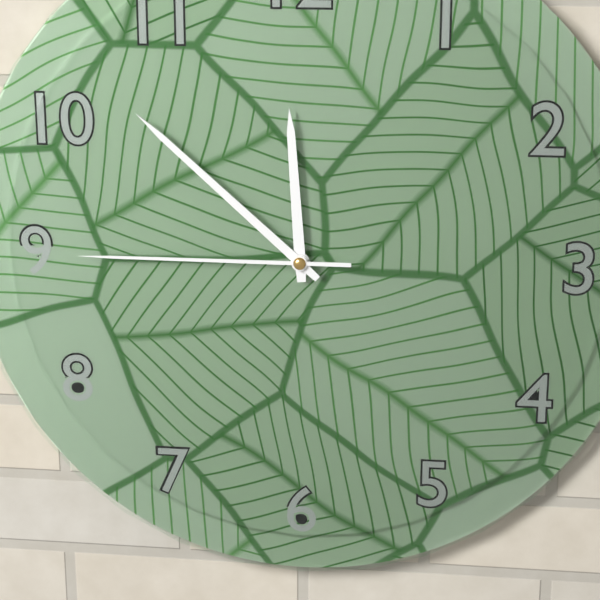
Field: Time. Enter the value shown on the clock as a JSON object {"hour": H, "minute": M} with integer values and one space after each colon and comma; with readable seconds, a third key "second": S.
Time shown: {"hour": 11, "minute": 52, "second": 45}
